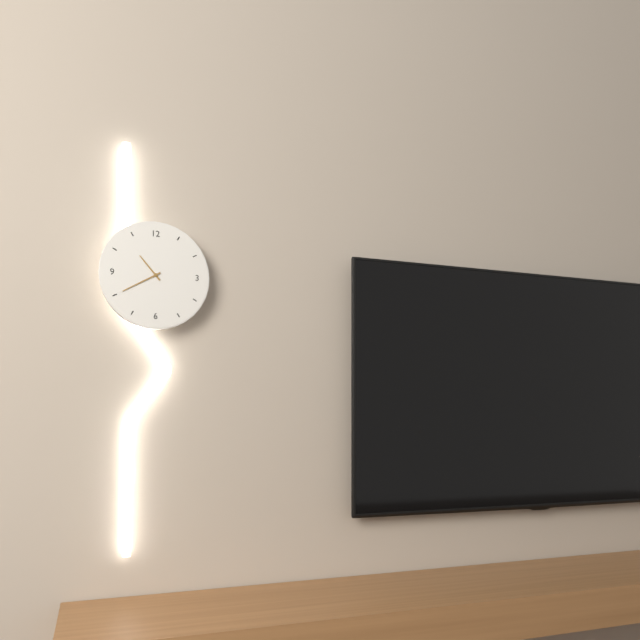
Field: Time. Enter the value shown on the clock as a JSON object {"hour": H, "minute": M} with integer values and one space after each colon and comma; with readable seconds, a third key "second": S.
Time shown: {"hour": 10, "minute": 40}
